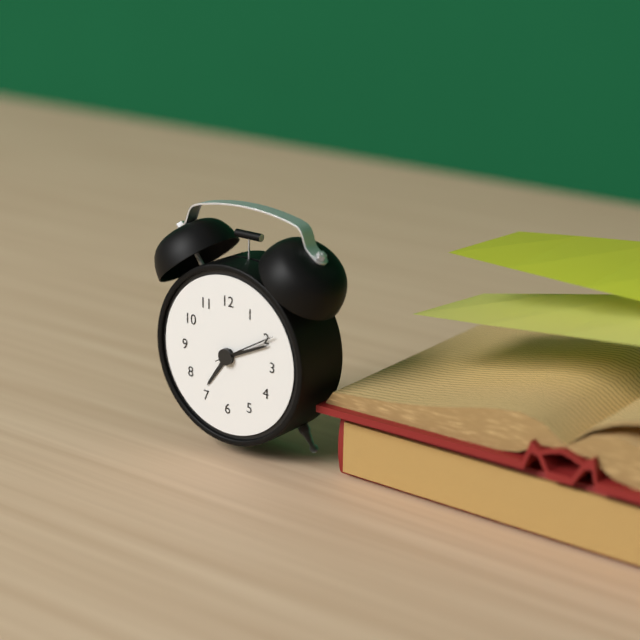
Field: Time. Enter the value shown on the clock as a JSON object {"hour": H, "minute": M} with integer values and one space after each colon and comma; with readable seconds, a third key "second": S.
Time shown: {"hour": 7, "minute": 11, "second": 10}
